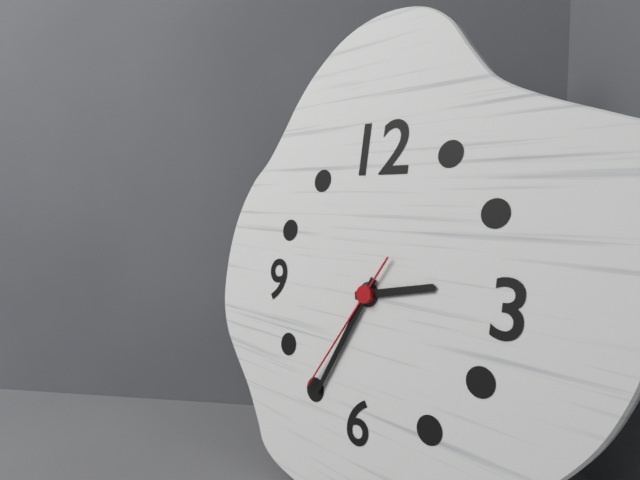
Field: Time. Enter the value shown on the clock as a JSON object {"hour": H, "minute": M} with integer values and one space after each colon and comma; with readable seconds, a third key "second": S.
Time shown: {"hour": 2, "minute": 34, "second": 35}
